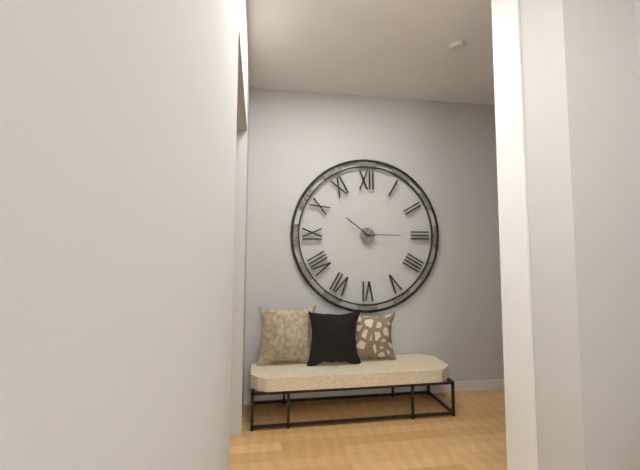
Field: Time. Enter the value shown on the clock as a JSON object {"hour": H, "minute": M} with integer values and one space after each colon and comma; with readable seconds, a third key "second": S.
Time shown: {"hour": 10, "minute": 15}
